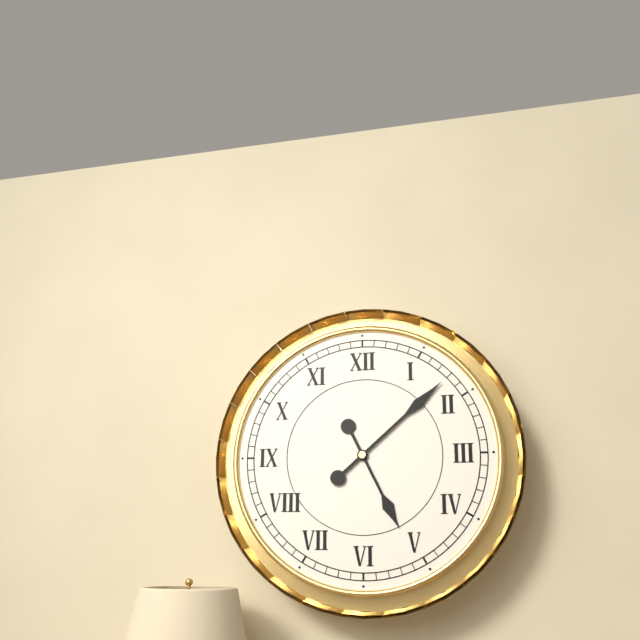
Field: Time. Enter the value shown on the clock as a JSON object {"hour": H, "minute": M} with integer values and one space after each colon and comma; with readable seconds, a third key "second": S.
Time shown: {"hour": 5, "minute": 8}
